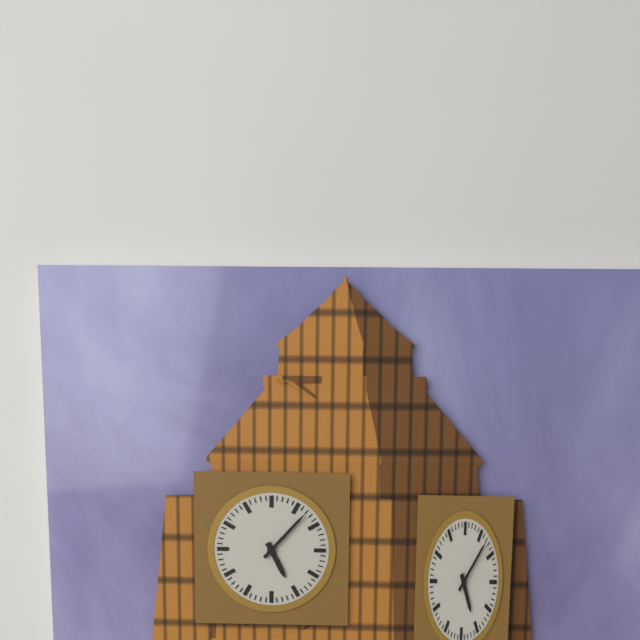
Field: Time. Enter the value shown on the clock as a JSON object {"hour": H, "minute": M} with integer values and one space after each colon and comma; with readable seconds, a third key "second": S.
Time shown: {"hour": 5, "minute": 7}
